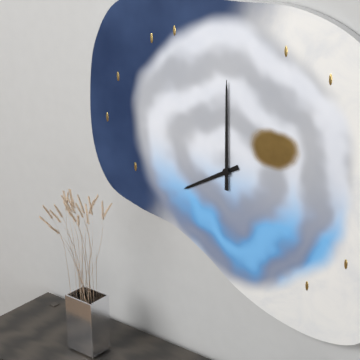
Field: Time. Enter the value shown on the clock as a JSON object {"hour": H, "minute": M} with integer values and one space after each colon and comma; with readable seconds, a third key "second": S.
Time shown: {"hour": 8, "minute": 0}
